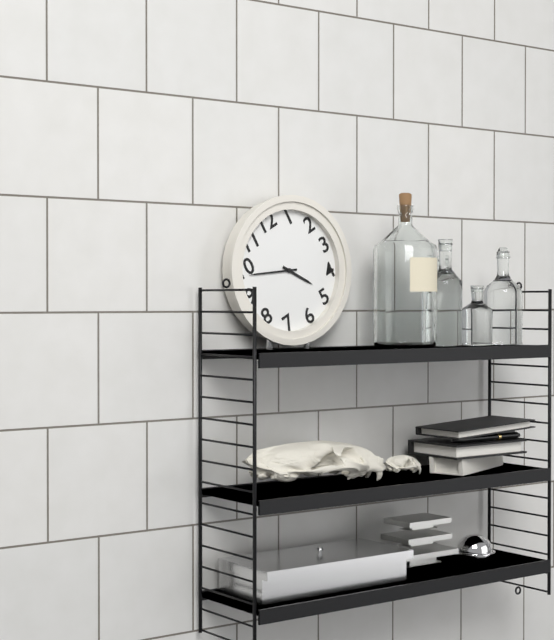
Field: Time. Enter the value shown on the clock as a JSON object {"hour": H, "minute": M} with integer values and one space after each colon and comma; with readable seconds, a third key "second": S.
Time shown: {"hour": 4, "minute": 49}
